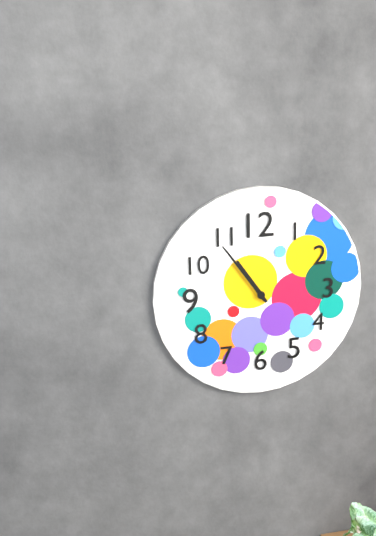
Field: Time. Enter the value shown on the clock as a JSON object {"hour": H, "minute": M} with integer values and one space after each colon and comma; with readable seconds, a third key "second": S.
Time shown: {"hour": 10, "minute": 54}
